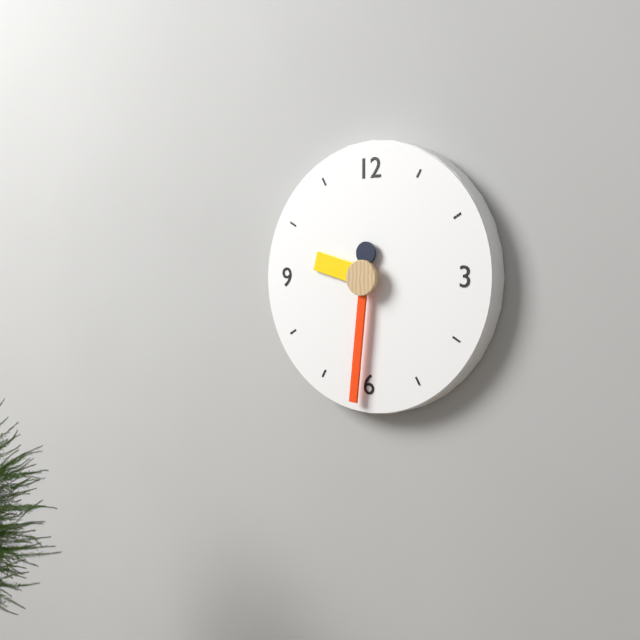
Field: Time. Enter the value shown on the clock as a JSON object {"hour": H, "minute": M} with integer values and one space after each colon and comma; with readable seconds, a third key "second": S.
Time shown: {"hour": 9, "minute": 31}
